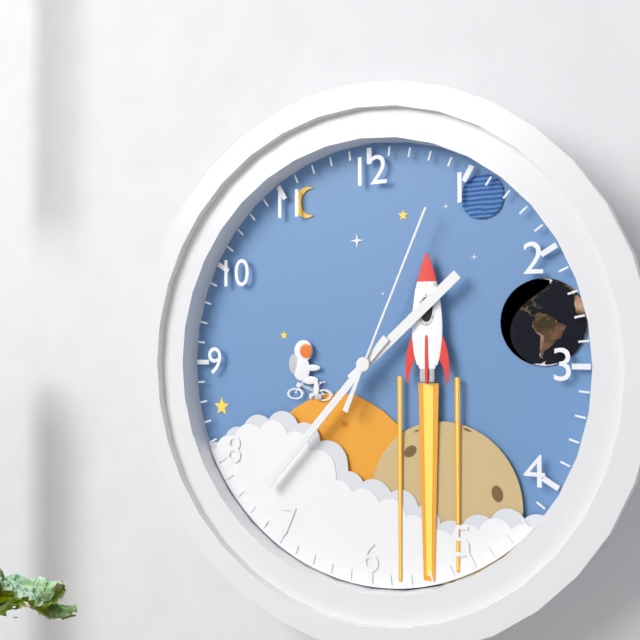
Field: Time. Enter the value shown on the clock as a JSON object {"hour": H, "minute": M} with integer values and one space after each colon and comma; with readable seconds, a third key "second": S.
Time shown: {"hour": 1, "minute": 37, "second": 4}
